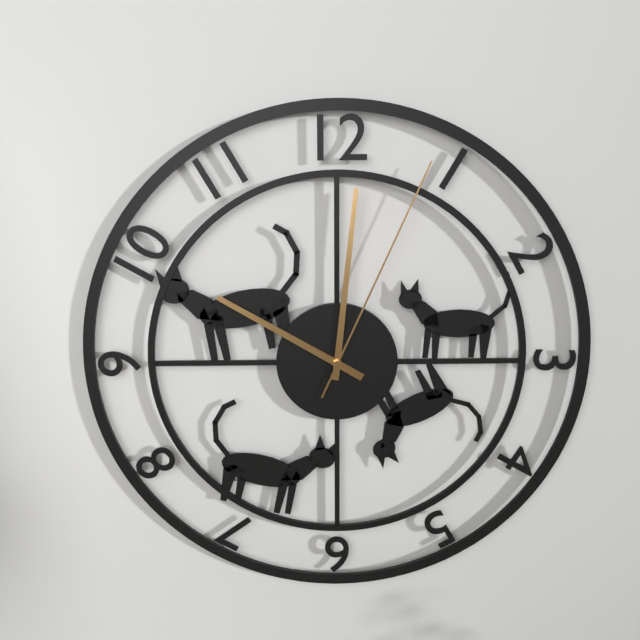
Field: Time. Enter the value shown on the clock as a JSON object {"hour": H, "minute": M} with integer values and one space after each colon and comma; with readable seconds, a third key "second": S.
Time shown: {"hour": 10, "minute": 1, "second": 4}
